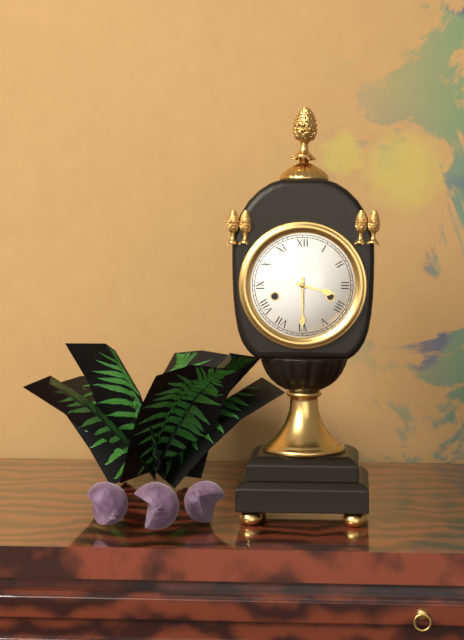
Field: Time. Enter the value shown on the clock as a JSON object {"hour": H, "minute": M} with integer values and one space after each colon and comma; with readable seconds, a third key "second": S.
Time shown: {"hour": 3, "minute": 30}
